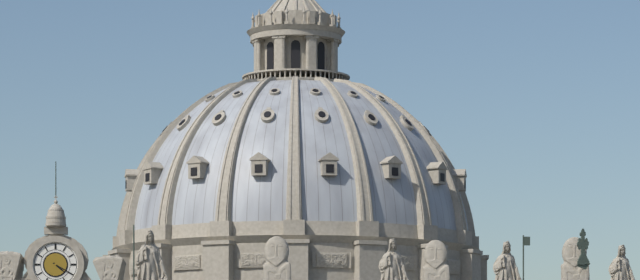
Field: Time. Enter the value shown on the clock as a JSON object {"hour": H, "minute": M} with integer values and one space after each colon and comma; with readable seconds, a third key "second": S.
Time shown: {"hour": 4, "minute": 20}
